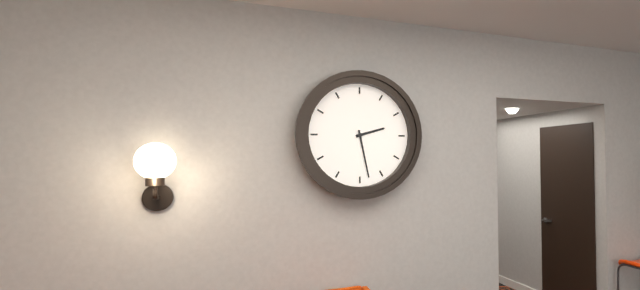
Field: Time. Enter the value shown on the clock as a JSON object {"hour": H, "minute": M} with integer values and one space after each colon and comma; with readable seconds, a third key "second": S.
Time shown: {"hour": 2, "minute": 28}
